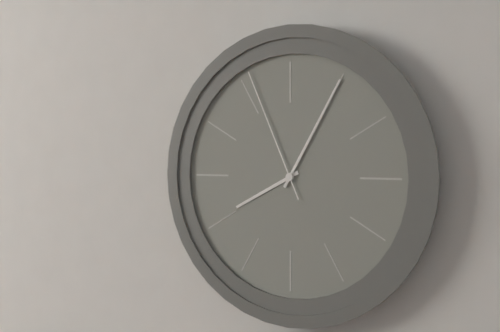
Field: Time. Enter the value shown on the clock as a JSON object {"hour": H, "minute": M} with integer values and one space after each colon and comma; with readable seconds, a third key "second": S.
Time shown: {"hour": 8, "minute": 5, "second": 56}
